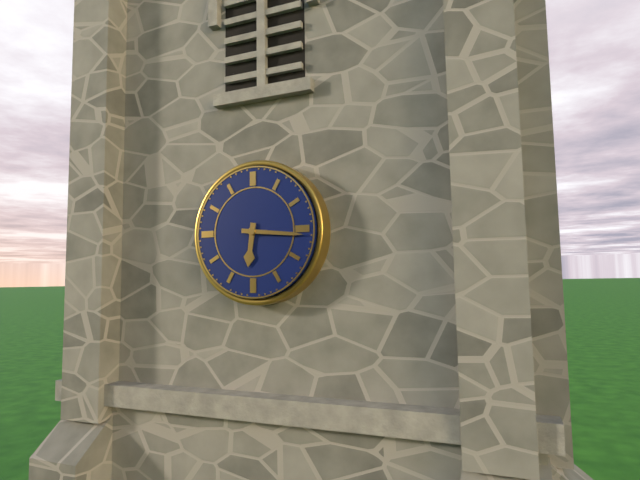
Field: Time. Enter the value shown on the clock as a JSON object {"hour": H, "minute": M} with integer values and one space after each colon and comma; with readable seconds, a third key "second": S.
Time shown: {"hour": 6, "minute": 16}
